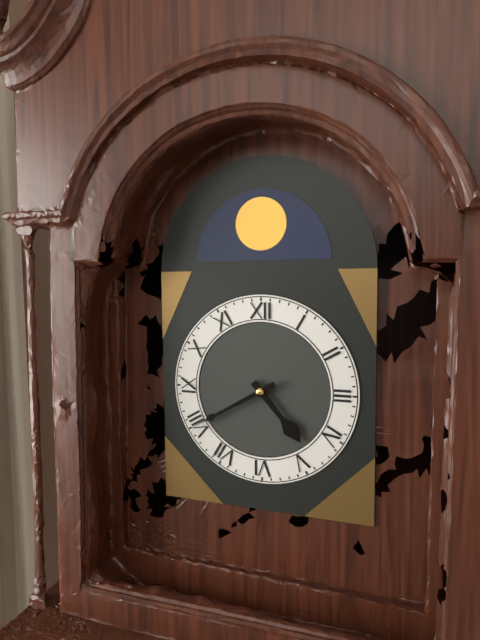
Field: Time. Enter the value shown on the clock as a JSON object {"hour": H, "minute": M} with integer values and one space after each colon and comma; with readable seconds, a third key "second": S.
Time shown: {"hour": 4, "minute": 40}
